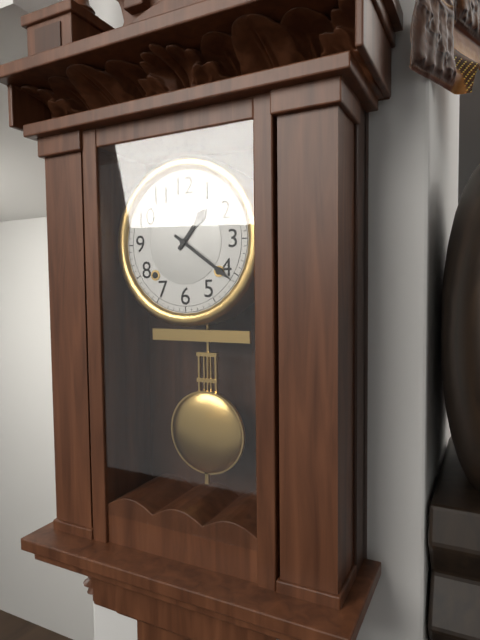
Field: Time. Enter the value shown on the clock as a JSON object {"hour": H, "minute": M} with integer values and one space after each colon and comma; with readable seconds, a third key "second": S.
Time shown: {"hour": 1, "minute": 21}
